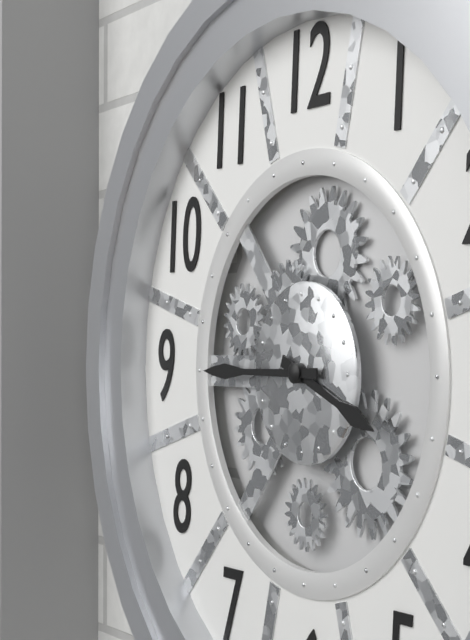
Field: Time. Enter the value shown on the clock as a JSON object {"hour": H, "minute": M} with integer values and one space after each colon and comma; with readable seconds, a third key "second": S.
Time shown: {"hour": 3, "minute": 45}
